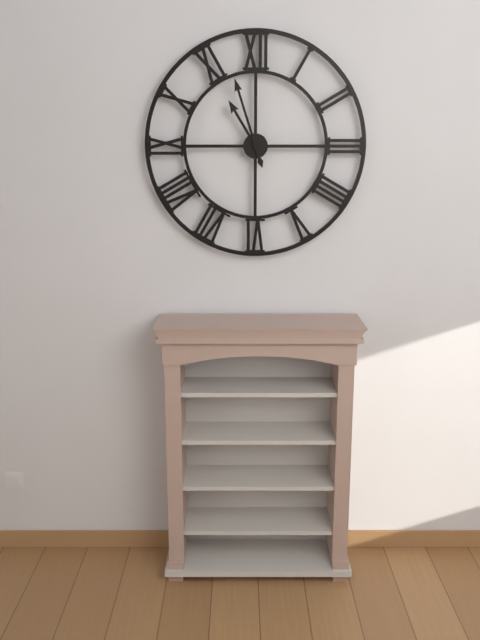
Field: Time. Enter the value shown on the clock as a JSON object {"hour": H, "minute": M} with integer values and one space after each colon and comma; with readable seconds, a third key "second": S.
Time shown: {"hour": 10, "minute": 57}
